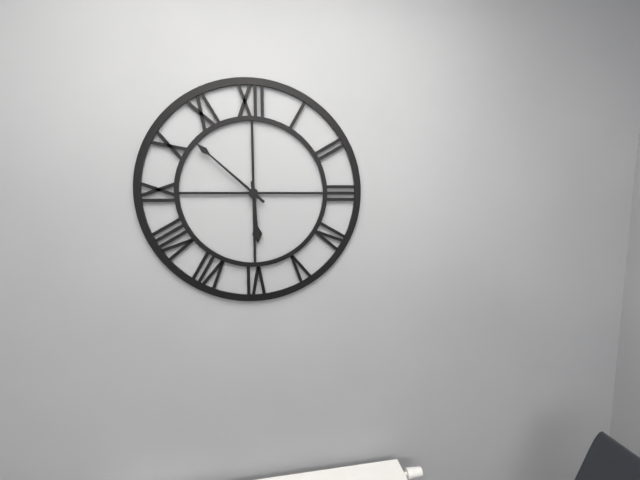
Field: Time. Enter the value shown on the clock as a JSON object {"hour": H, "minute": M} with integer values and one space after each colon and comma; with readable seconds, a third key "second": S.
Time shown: {"hour": 5, "minute": 52}
